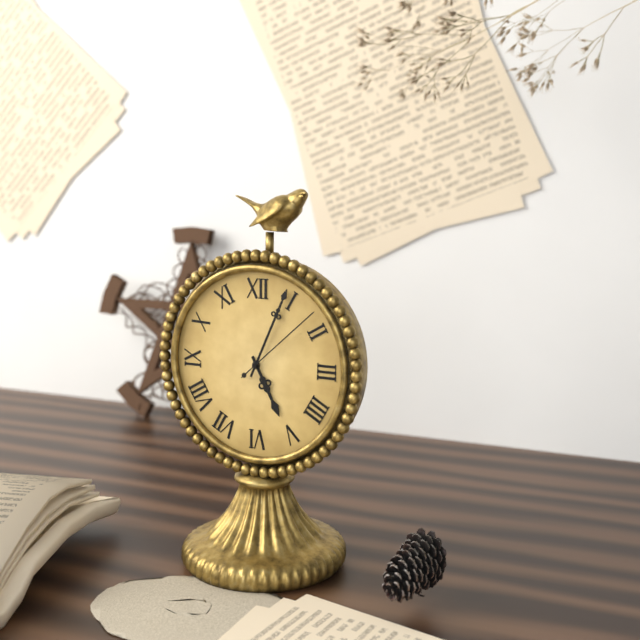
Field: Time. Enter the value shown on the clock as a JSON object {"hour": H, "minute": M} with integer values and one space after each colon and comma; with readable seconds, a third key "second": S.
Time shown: {"hour": 5, "minute": 4, "second": 8}
